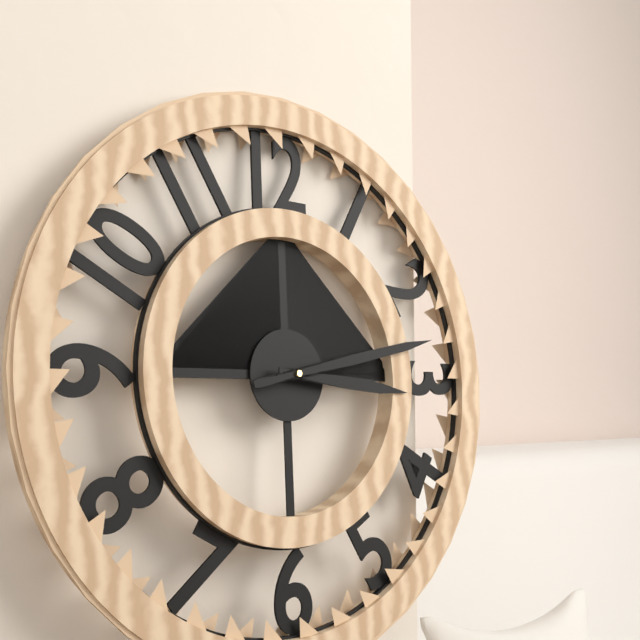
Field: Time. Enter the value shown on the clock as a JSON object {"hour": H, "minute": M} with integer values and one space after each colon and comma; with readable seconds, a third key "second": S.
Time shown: {"hour": 3, "minute": 13}
